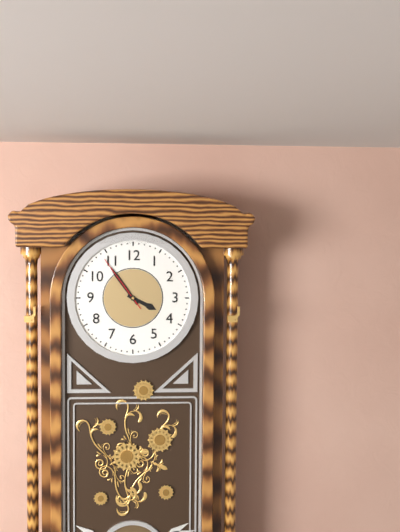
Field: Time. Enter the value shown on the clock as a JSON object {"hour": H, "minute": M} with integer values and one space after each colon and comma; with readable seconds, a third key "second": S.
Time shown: {"hour": 3, "minute": 54, "second": 54}
